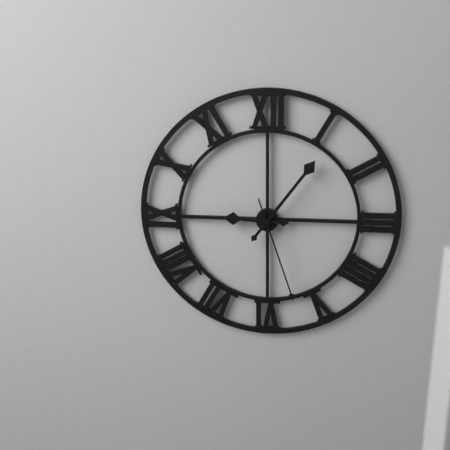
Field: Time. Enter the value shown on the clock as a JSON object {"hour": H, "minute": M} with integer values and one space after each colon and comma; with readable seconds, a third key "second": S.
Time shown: {"hour": 9, "minute": 6, "second": 27}
